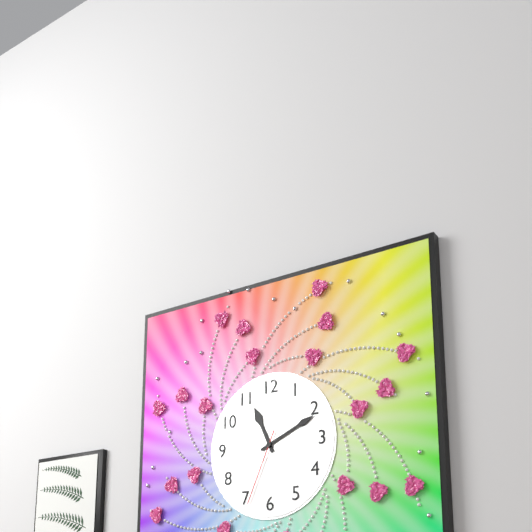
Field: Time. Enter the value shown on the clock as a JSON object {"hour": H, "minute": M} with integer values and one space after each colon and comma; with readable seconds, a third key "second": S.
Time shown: {"hour": 11, "minute": 11, "second": 34}
